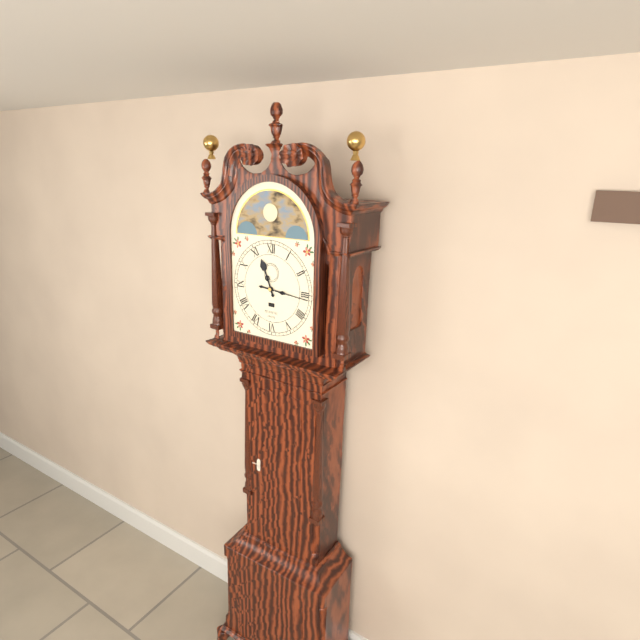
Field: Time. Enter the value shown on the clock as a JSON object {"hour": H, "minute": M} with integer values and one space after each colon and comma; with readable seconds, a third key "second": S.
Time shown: {"hour": 11, "minute": 16}
